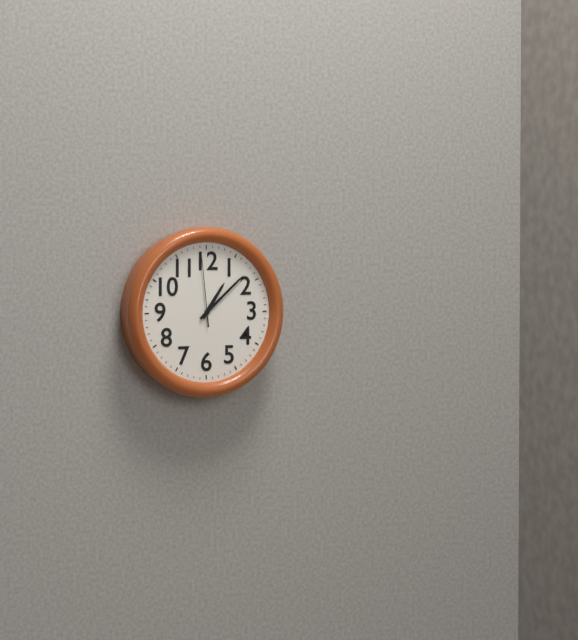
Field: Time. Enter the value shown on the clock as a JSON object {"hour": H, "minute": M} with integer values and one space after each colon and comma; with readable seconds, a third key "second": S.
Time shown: {"hour": 1, "minute": 8, "second": 59}
